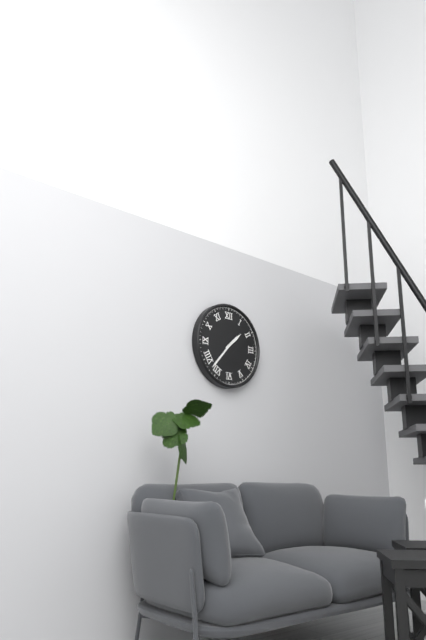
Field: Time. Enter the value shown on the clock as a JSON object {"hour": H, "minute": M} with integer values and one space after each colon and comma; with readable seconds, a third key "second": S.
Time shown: {"hour": 1, "minute": 37}
